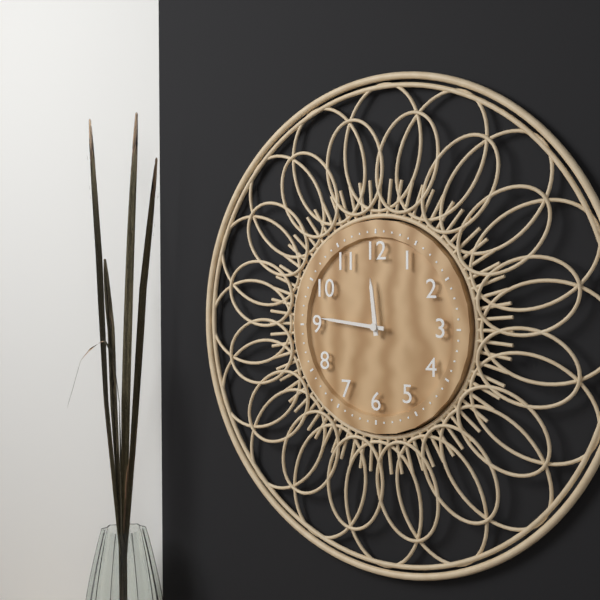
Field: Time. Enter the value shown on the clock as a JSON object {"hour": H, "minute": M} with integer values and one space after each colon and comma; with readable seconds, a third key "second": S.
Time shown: {"hour": 11, "minute": 46}
